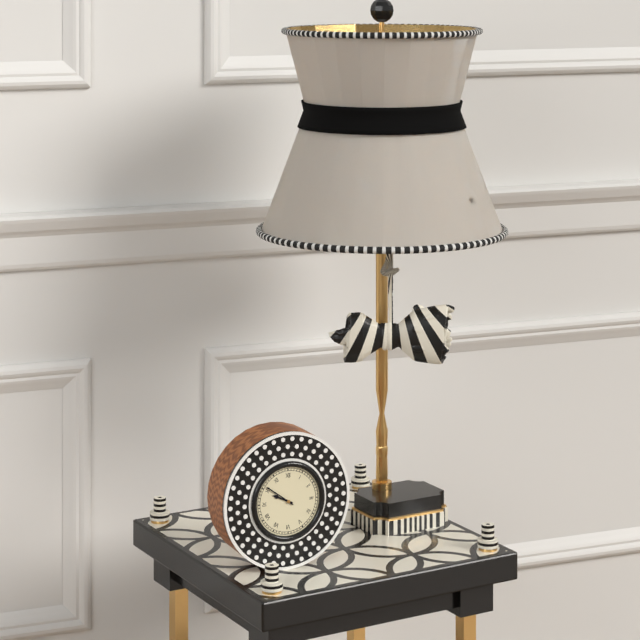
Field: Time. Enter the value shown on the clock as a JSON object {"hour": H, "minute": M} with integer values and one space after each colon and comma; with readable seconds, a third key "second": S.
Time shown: {"hour": 9, "minute": 51}
